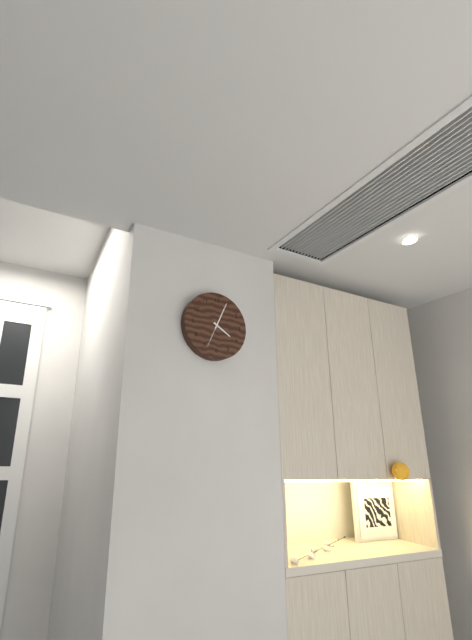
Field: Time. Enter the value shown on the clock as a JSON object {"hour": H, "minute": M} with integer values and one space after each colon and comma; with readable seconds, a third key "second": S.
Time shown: {"hour": 4, "minute": 4}
